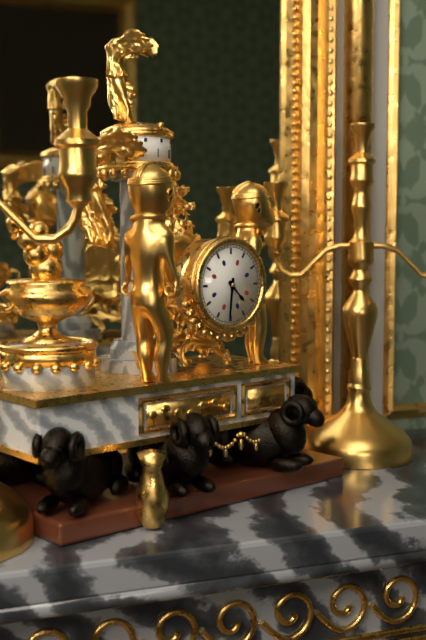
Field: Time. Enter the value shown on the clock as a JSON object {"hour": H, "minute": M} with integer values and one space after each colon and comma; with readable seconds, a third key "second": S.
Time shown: {"hour": 4, "minute": 31}
